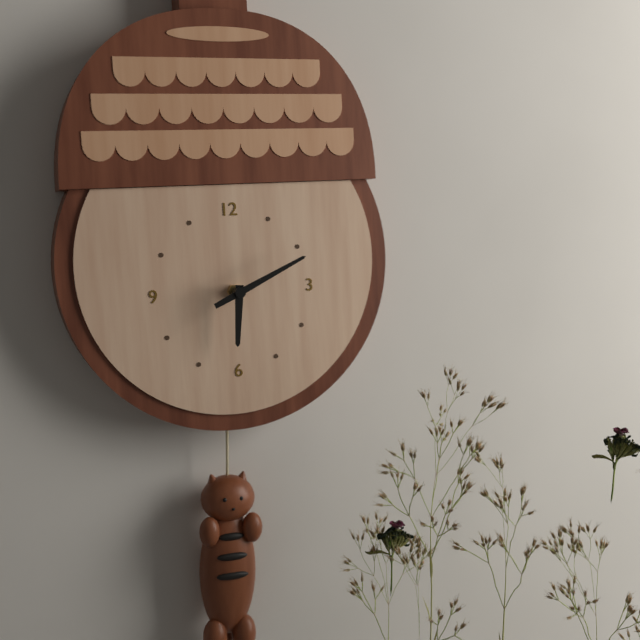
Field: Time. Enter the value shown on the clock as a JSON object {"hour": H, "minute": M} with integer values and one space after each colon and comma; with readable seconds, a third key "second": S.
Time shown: {"hour": 6, "minute": 11}
